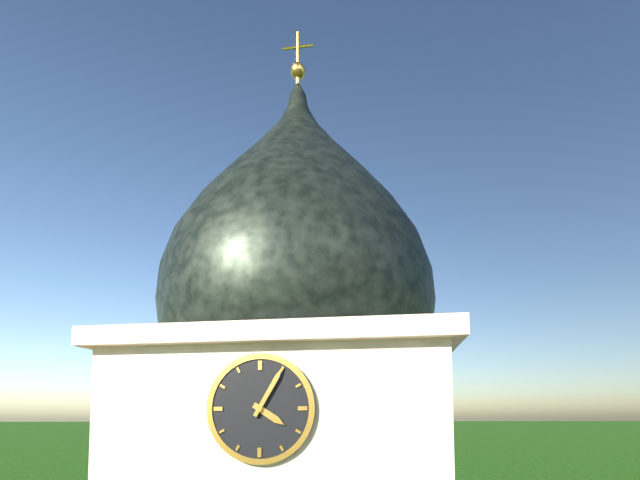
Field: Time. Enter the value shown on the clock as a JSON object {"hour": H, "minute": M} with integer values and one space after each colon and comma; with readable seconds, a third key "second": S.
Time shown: {"hour": 4, "minute": 5}
